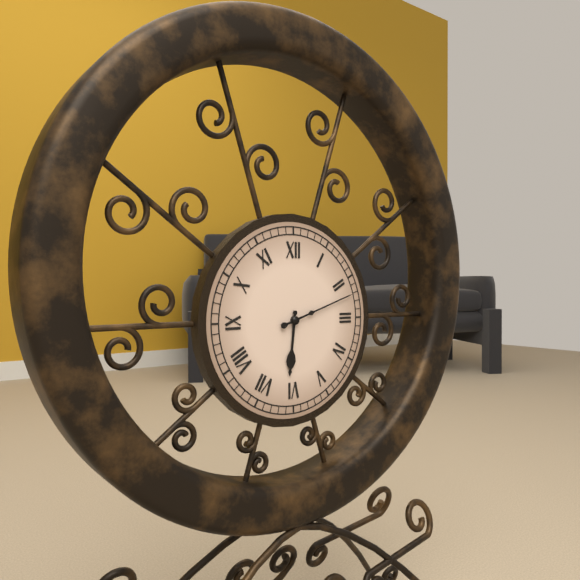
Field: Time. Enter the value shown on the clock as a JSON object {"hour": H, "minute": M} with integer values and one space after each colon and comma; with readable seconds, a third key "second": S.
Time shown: {"hour": 6, "minute": 12}
